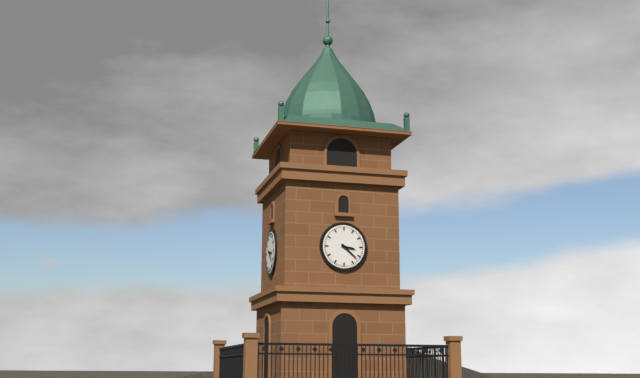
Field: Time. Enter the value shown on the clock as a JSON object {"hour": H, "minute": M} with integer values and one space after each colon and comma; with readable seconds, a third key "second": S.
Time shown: {"hour": 3, "minute": 22}
